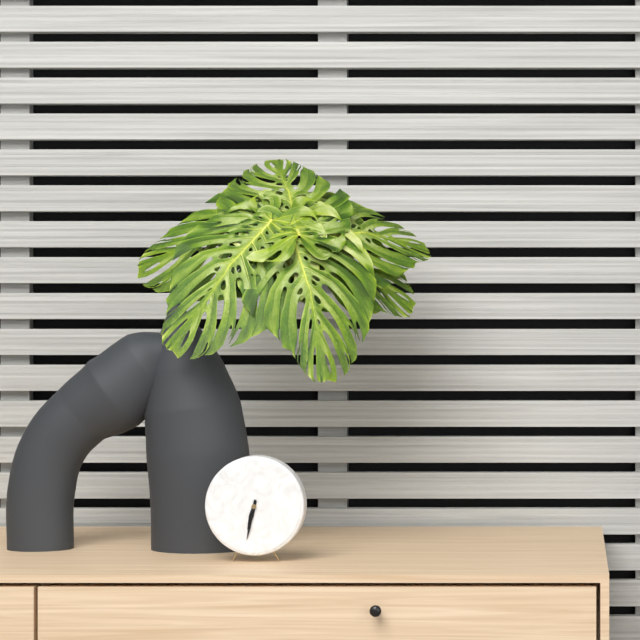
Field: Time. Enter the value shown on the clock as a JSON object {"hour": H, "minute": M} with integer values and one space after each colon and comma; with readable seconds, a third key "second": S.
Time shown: {"hour": 6, "minute": 32}
